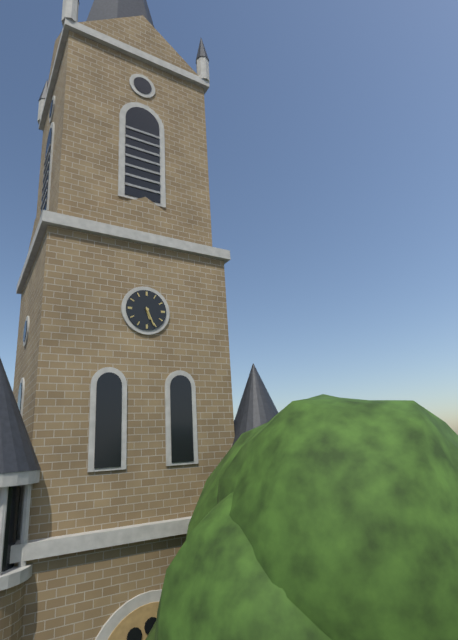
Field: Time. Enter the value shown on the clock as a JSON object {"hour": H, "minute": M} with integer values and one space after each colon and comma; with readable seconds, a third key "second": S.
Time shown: {"hour": 5, "minute": 26}
